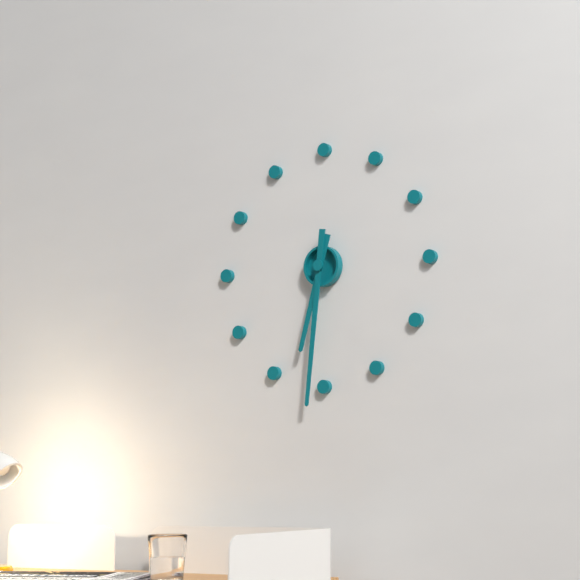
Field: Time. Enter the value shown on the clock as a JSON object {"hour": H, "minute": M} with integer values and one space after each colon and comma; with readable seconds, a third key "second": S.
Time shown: {"hour": 6, "minute": 31}
